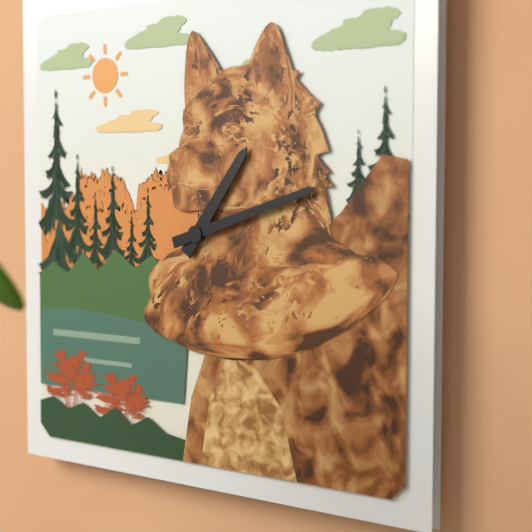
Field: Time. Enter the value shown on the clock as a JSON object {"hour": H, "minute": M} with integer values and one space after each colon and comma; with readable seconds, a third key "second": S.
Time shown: {"hour": 1, "minute": 12}
